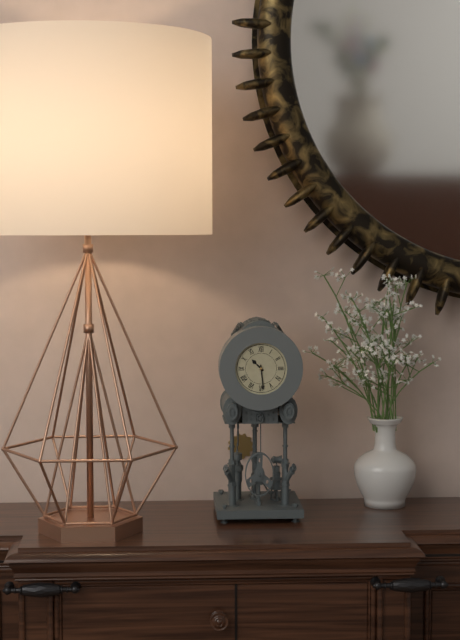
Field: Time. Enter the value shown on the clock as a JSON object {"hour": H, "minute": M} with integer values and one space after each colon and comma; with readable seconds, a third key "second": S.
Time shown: {"hour": 10, "minute": 29}
